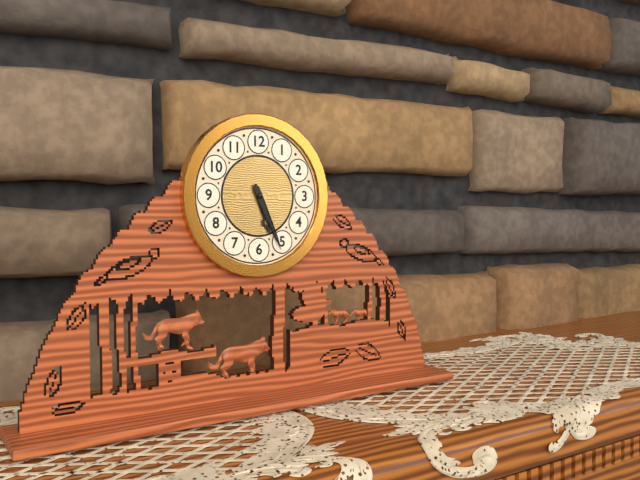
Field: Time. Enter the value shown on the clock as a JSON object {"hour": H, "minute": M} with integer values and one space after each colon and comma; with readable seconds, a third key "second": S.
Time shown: {"hour": 5, "minute": 26}
